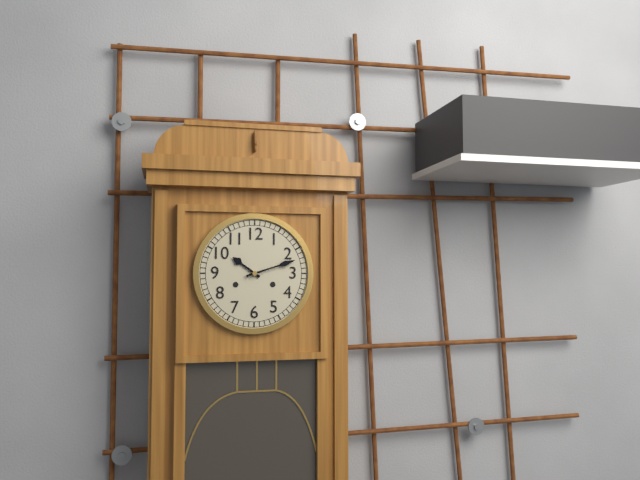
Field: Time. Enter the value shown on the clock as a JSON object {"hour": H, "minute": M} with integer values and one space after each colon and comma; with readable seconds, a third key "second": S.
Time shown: {"hour": 10, "minute": 12}
